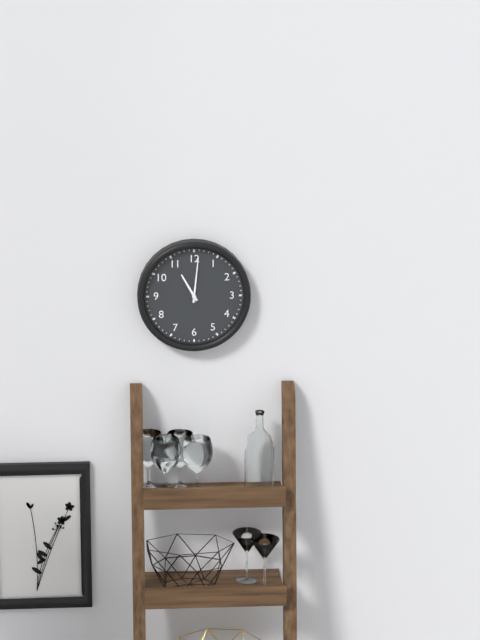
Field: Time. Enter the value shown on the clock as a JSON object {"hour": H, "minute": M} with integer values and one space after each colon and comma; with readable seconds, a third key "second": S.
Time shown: {"hour": 11, "minute": 1}
